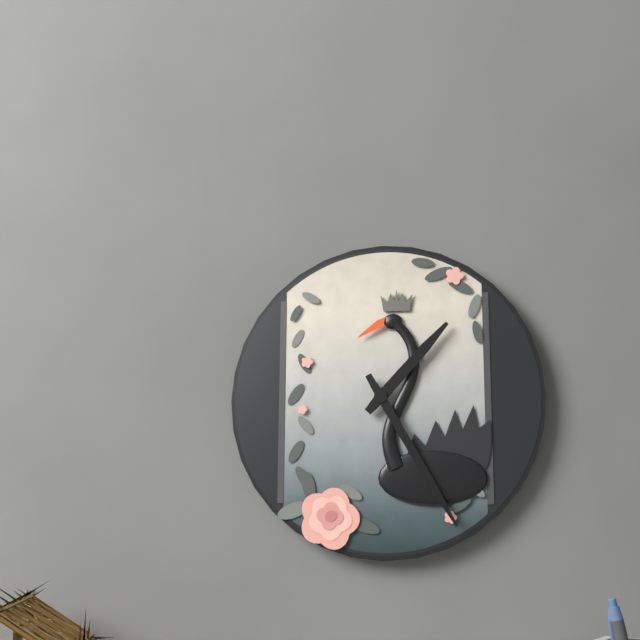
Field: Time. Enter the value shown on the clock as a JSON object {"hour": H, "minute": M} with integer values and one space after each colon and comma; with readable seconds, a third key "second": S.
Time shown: {"hour": 1, "minute": 25}
